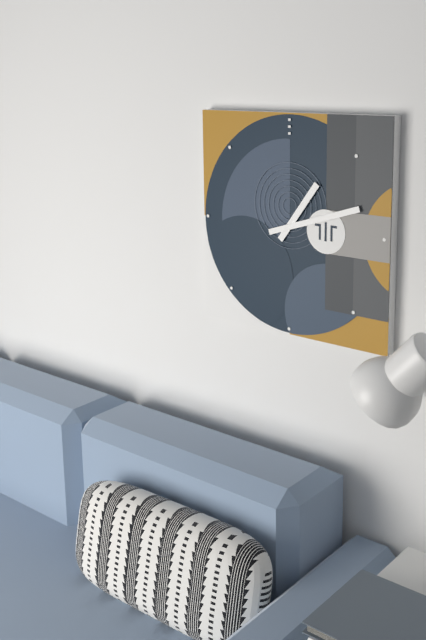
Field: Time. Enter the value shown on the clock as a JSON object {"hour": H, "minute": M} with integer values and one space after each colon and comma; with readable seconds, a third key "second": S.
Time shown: {"hour": 1, "minute": 12}
